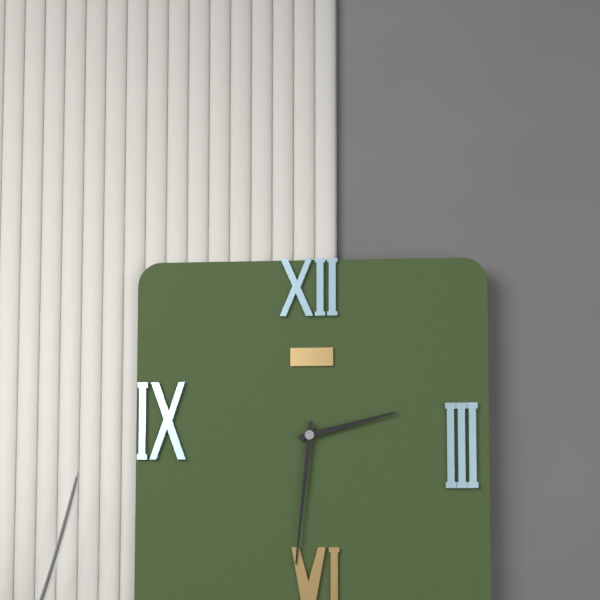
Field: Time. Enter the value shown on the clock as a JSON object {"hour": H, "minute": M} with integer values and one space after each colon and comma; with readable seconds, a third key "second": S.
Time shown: {"hour": 2, "minute": 31}
